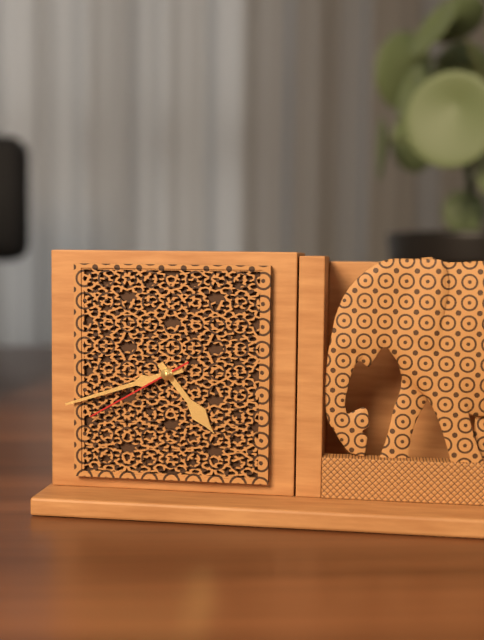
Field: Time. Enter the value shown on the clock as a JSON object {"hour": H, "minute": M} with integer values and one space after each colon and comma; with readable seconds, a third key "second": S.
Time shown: {"hour": 4, "minute": 42, "second": 40}
